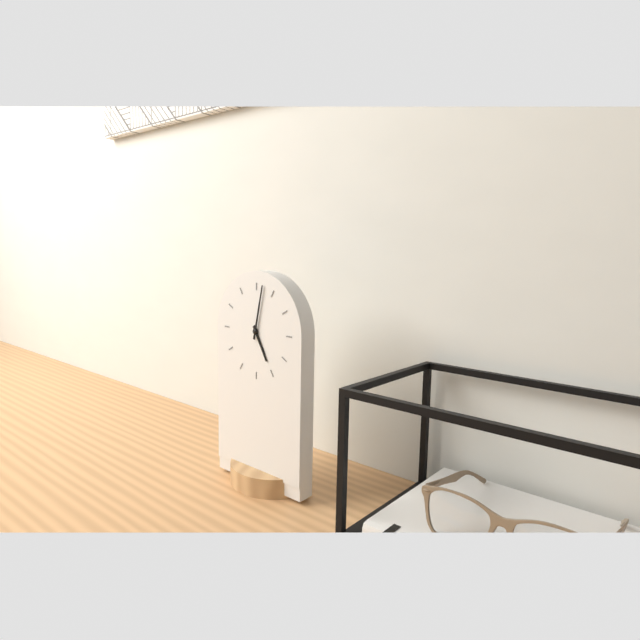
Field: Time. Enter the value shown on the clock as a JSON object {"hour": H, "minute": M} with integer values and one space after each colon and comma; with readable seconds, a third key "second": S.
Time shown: {"hour": 5, "minute": 2}
